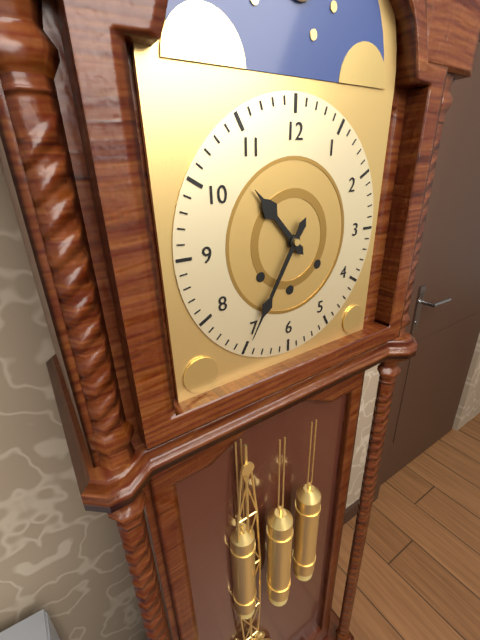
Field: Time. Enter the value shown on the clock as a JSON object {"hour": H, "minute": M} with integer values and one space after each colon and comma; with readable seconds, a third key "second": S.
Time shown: {"hour": 10, "minute": 35}
